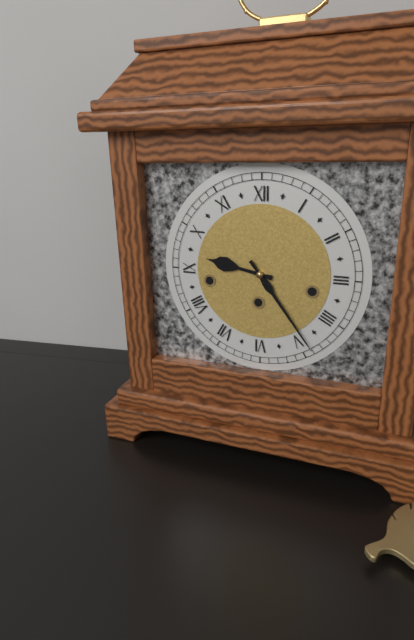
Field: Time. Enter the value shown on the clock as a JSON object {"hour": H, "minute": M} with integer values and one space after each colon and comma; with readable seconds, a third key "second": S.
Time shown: {"hour": 9, "minute": 24}
